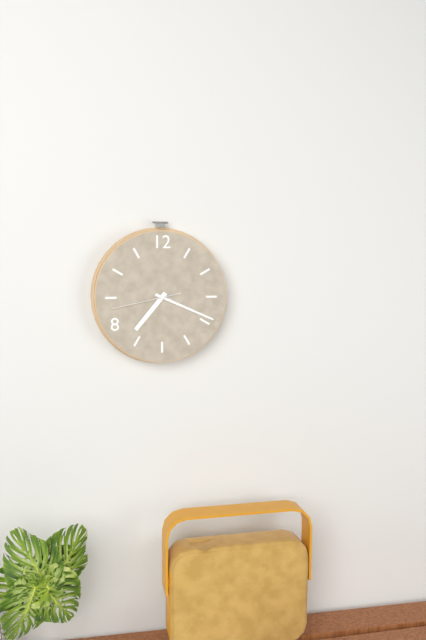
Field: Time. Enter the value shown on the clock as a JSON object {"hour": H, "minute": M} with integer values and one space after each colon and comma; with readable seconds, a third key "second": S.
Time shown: {"hour": 7, "minute": 19, "second": 43}
